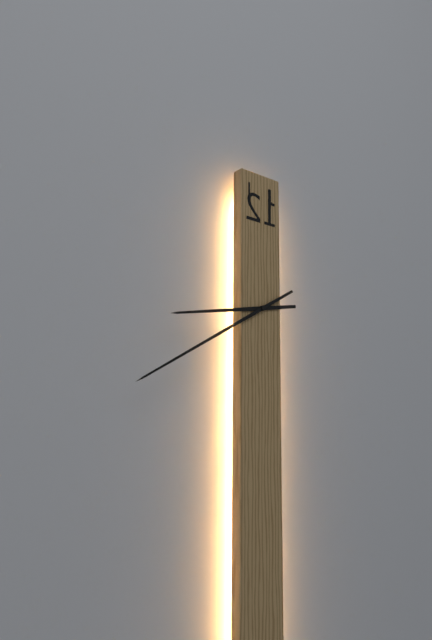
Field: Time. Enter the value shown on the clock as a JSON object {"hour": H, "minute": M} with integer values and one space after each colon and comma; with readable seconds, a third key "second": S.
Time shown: {"hour": 8, "minute": 40}
